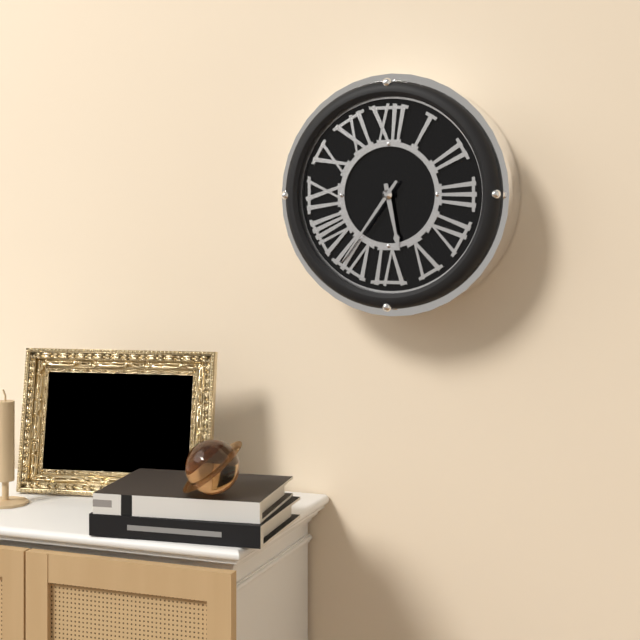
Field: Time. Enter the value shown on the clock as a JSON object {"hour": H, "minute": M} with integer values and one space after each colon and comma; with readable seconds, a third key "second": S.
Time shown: {"hour": 5, "minute": 36}
